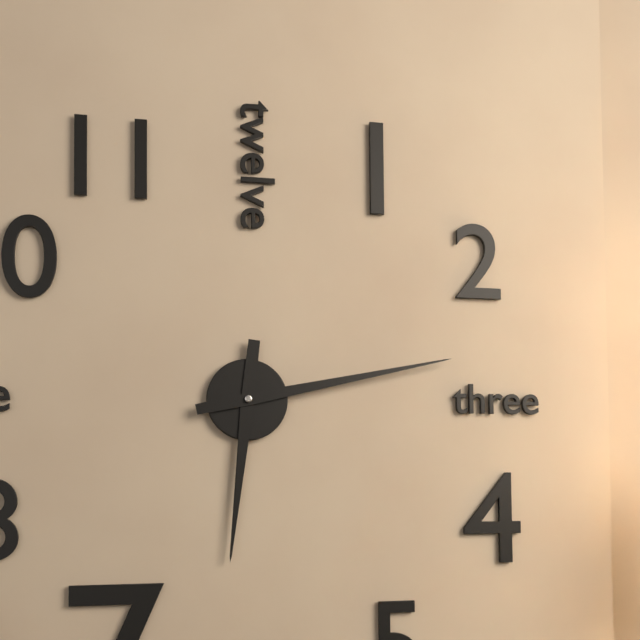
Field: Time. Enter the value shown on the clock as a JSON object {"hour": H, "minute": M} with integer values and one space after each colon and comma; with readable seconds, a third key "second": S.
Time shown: {"hour": 6, "minute": 13}
